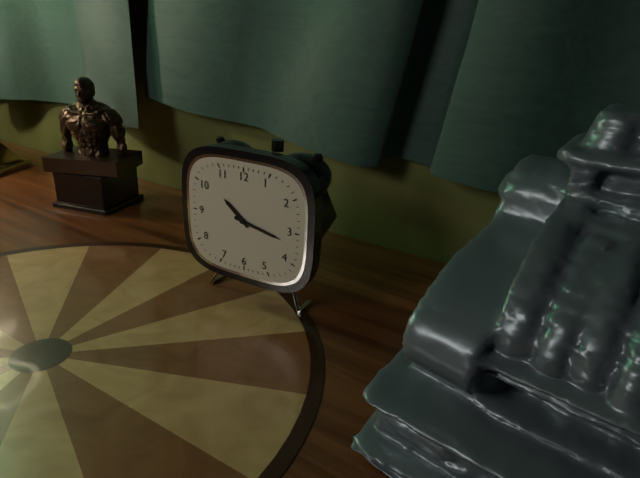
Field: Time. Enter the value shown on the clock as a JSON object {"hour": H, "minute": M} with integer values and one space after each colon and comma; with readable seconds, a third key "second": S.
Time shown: {"hour": 10, "minute": 17}
